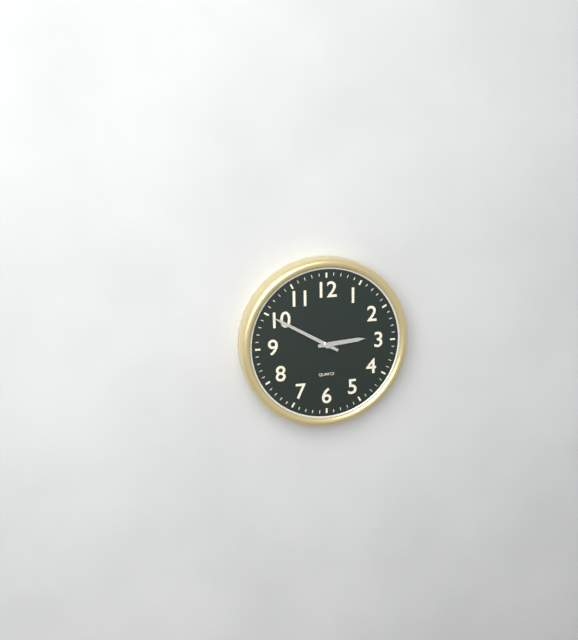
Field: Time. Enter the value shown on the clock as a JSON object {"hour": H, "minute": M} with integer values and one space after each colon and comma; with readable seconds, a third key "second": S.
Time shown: {"hour": 2, "minute": 50}
